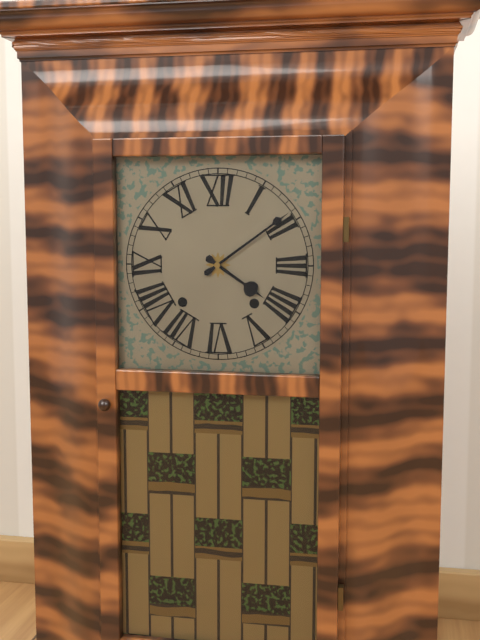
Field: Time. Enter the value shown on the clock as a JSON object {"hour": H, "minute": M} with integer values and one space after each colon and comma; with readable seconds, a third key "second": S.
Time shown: {"hour": 4, "minute": 9}
